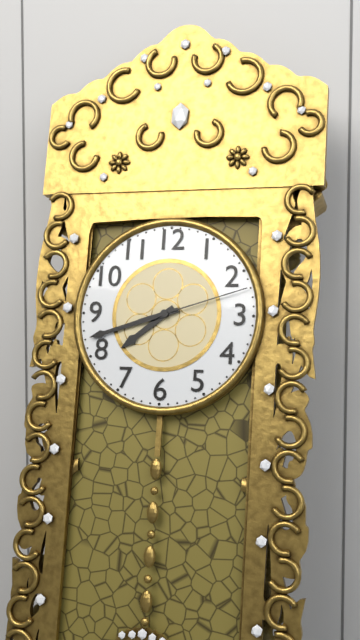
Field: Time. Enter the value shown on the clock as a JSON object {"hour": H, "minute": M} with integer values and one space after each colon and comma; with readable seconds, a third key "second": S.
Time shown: {"hour": 7, "minute": 42, "second": 12}
